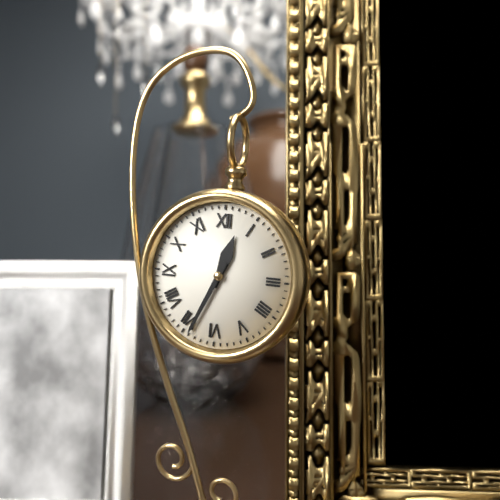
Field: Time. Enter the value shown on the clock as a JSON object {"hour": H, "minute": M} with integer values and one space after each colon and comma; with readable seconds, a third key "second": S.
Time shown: {"hour": 12, "minute": 34}
